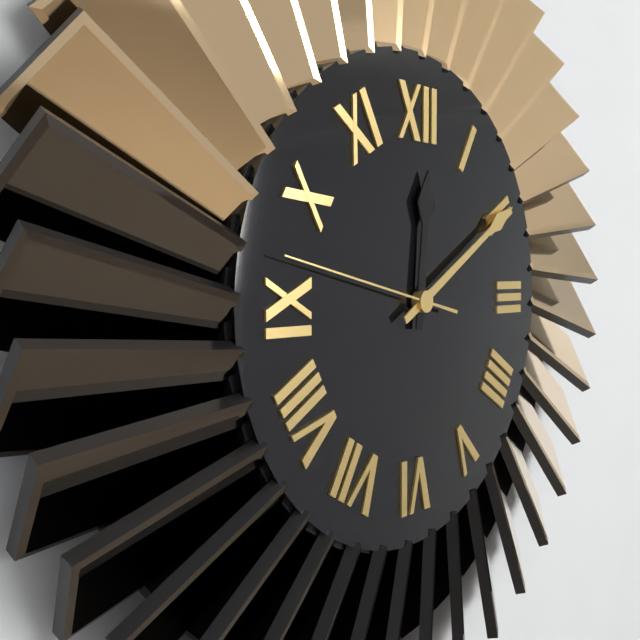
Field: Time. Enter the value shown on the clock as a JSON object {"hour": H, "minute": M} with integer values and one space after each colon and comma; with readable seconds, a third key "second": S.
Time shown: {"hour": 12, "minute": 10, "second": 47}
